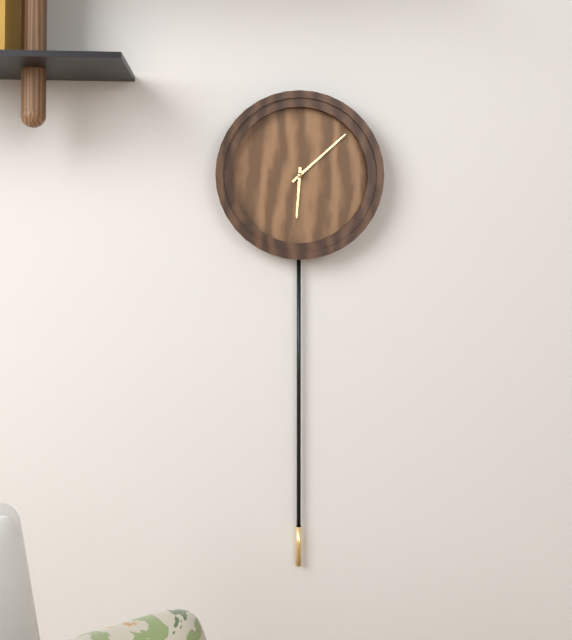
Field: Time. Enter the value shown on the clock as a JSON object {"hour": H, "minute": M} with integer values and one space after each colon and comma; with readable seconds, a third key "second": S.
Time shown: {"hour": 6, "minute": 8}
